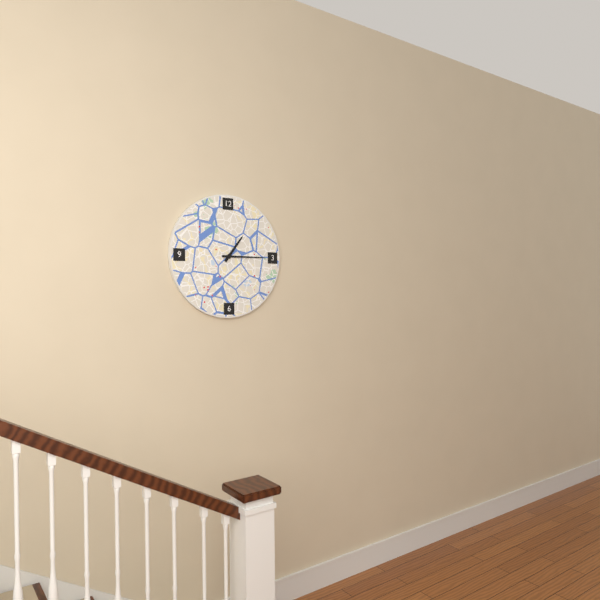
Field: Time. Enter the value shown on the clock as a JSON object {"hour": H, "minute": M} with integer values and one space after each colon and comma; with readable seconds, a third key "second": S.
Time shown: {"hour": 1, "minute": 15}
